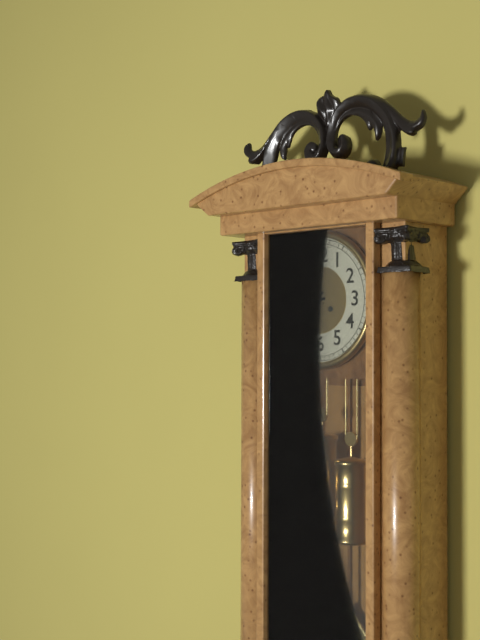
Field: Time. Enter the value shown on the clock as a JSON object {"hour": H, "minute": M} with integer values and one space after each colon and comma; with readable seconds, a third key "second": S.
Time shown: {"hour": 8, "minute": 35}
